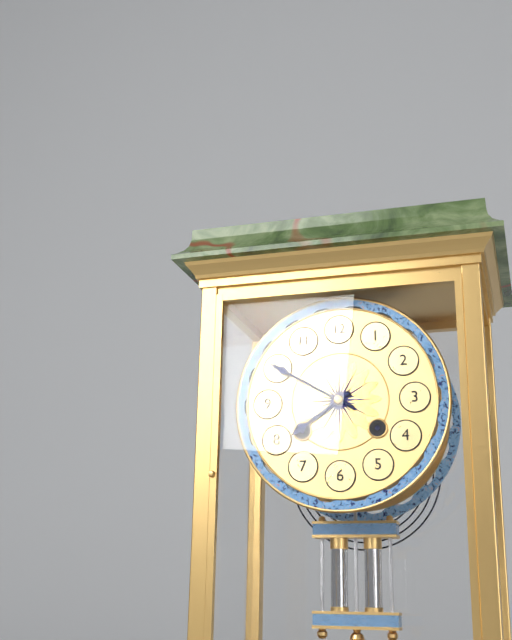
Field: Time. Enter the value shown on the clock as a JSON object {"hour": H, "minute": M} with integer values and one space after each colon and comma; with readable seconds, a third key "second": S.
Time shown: {"hour": 7, "minute": 50}
